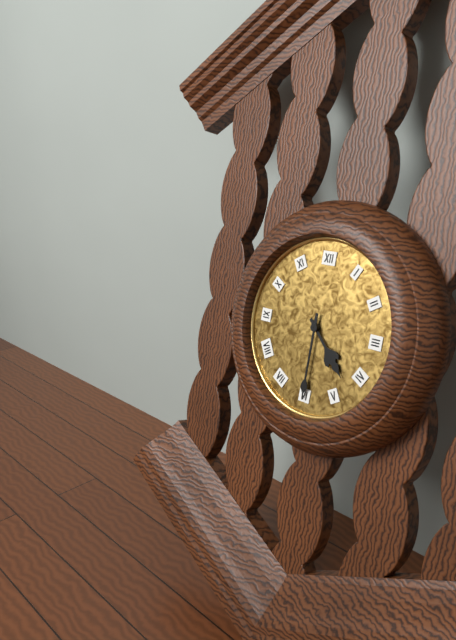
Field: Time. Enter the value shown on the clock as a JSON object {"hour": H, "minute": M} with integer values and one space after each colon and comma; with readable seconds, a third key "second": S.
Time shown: {"hour": 4, "minute": 30}
